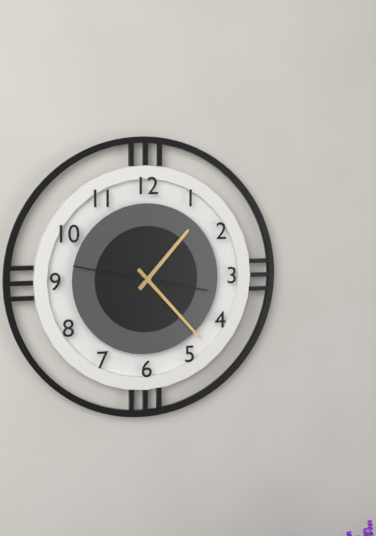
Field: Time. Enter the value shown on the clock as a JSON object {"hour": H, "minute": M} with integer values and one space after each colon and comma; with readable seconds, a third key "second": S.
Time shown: {"hour": 1, "minute": 23, "second": 47}
